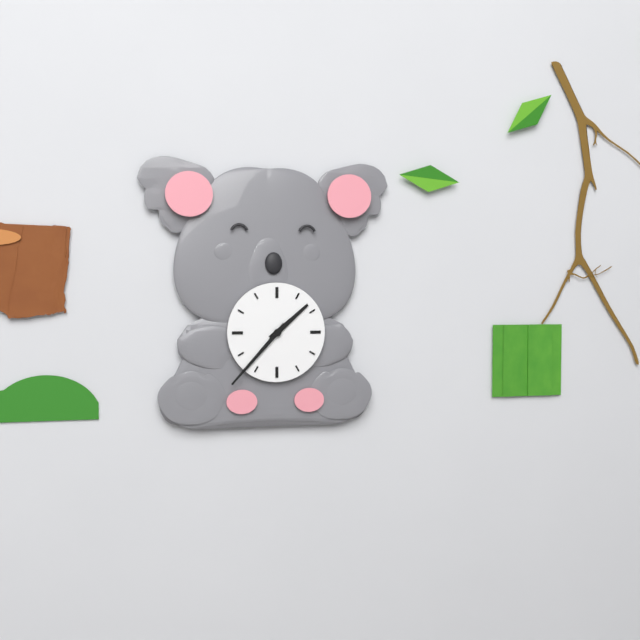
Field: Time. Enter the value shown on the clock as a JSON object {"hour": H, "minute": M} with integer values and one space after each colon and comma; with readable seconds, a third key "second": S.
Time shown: {"hour": 1, "minute": 37}
